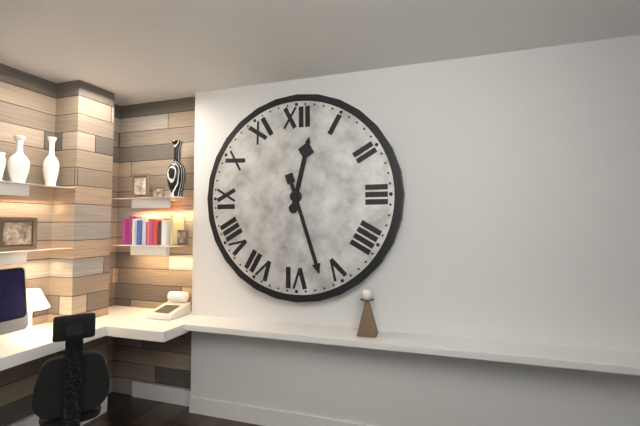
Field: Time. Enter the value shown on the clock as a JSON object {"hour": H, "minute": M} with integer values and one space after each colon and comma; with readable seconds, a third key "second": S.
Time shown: {"hour": 12, "minute": 27}
